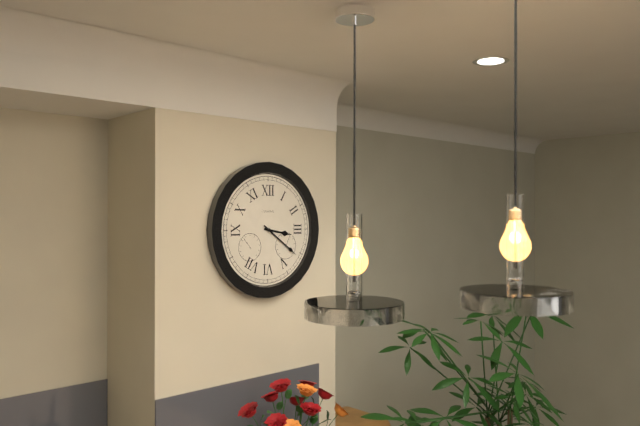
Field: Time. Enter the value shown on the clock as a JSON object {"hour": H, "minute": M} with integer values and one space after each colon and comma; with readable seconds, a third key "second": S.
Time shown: {"hour": 3, "minute": 21}
